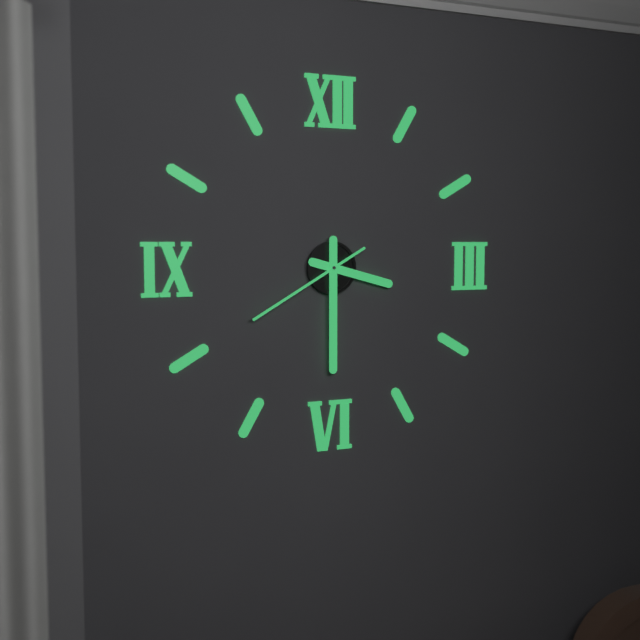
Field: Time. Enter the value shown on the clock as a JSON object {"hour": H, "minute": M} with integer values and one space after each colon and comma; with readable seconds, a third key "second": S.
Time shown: {"hour": 3, "minute": 30, "second": 40}
